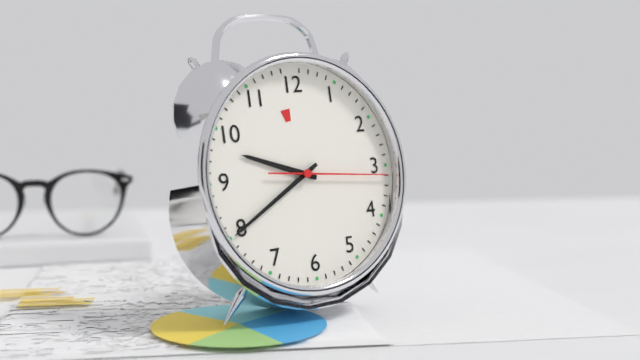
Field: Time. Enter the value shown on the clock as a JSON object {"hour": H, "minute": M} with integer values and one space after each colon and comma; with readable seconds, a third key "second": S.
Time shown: {"hour": 9, "minute": 40, "second": 16}
